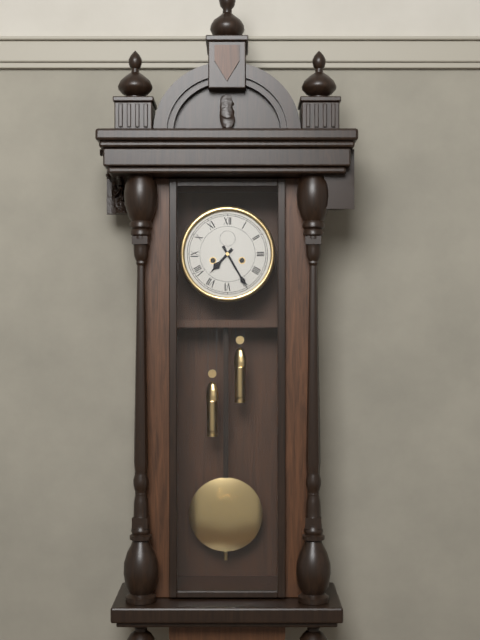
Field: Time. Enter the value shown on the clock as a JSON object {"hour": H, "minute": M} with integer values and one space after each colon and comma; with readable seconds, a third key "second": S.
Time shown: {"hour": 7, "minute": 25}
